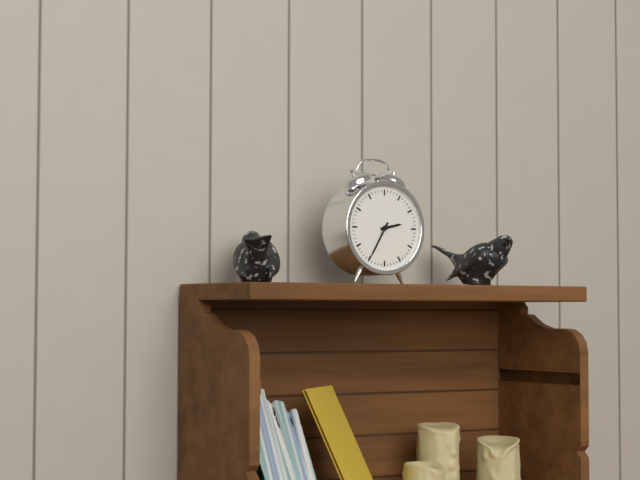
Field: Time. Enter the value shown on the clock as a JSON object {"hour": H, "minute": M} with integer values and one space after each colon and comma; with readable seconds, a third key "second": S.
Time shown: {"hour": 2, "minute": 35}
